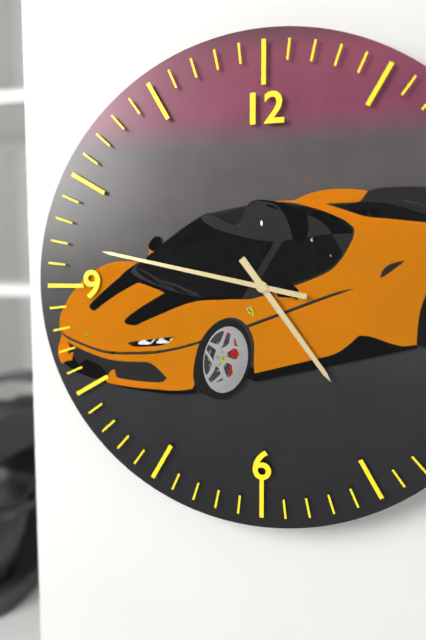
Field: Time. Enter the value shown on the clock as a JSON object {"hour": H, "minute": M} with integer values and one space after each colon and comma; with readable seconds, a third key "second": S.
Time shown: {"hour": 4, "minute": 47}
